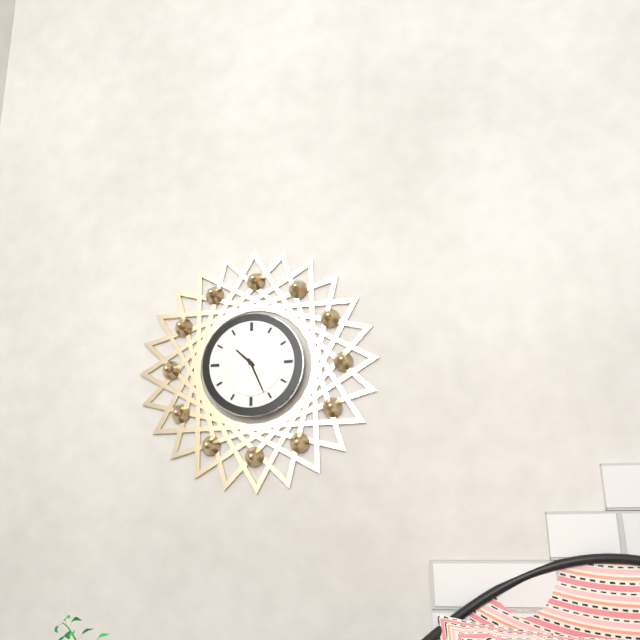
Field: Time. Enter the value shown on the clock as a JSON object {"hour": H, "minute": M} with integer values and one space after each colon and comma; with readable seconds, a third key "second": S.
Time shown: {"hour": 10, "minute": 26}
